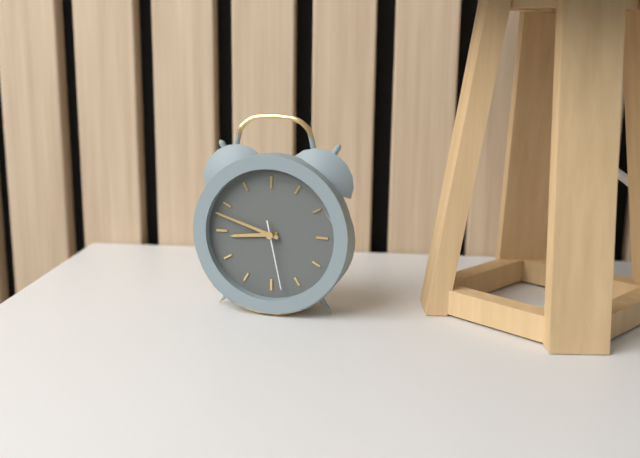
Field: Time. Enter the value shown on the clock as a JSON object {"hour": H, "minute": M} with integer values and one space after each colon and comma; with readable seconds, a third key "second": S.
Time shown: {"hour": 8, "minute": 48, "second": 28}
